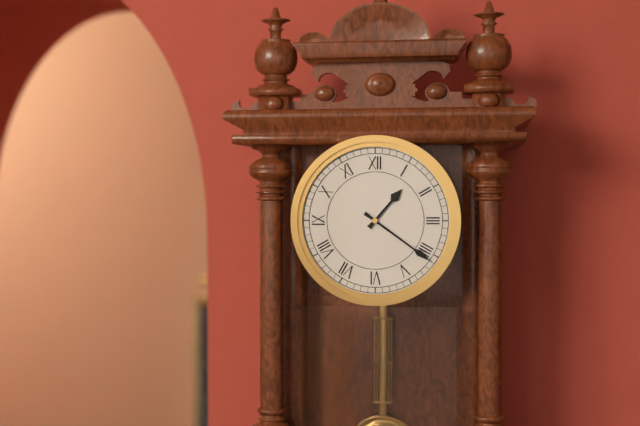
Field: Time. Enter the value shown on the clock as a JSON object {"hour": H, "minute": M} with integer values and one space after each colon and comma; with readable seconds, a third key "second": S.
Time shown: {"hour": 1, "minute": 21}
